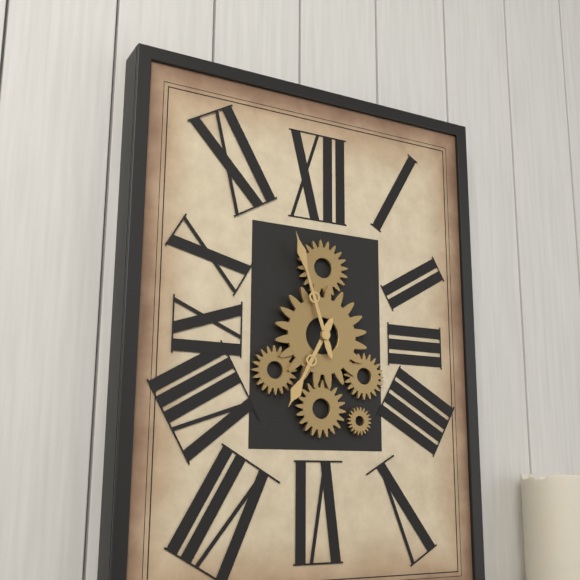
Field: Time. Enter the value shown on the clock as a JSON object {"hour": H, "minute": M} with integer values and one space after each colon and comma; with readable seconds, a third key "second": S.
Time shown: {"hour": 6, "minute": 57}
